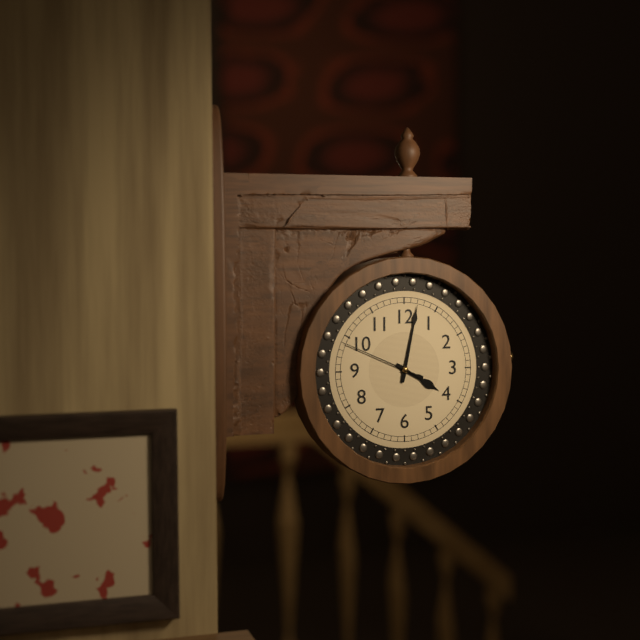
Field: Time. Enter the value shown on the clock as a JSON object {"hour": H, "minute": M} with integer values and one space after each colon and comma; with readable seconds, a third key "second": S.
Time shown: {"hour": 4, "minute": 2, "second": 49}
